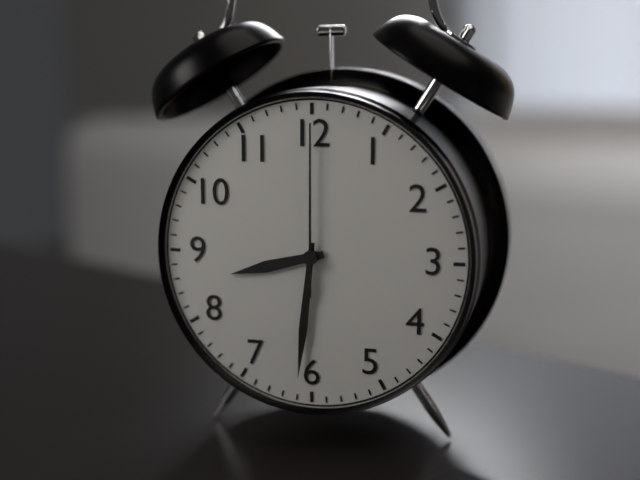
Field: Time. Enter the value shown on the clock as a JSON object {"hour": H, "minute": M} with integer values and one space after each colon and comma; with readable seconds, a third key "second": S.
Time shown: {"hour": 8, "minute": 31, "second": 0}
